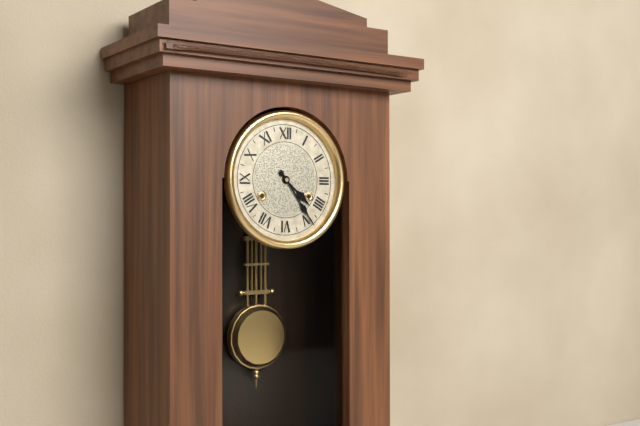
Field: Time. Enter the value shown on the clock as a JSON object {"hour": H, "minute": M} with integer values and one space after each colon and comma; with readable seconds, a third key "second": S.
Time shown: {"hour": 4, "minute": 24}
